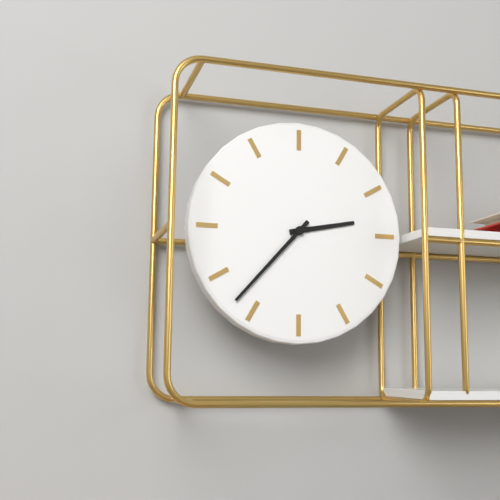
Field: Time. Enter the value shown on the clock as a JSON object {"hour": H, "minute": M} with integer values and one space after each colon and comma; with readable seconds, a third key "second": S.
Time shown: {"hour": 2, "minute": 37}
